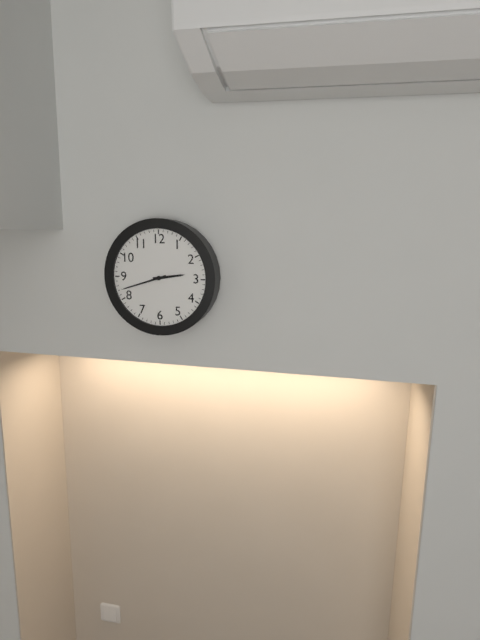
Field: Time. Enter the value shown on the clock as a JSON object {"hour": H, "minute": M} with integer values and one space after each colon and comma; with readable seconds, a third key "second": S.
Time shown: {"hour": 2, "minute": 42}
